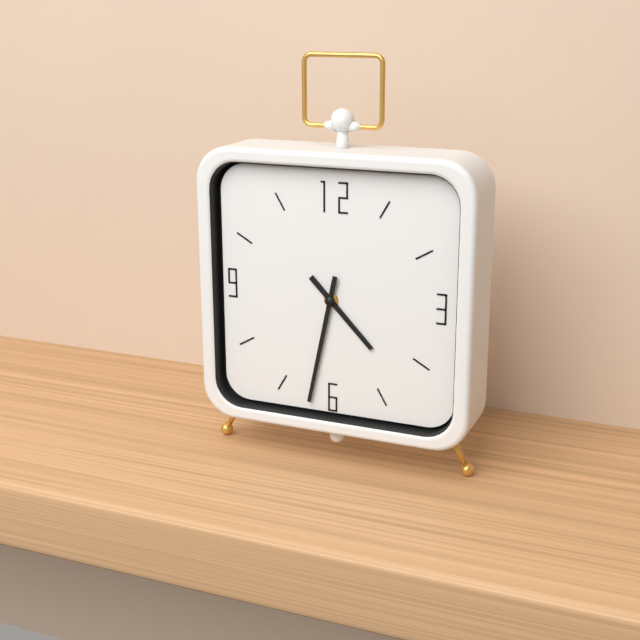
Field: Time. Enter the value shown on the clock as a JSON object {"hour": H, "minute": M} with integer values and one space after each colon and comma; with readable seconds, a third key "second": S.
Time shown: {"hour": 4, "minute": 32}
